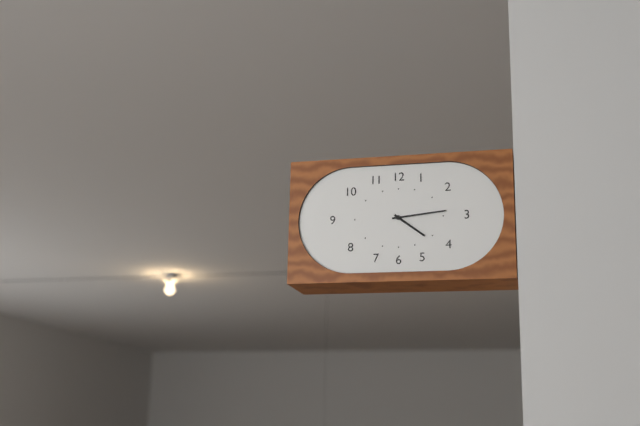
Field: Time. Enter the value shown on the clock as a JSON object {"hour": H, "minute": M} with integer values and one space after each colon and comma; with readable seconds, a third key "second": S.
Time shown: {"hour": 4, "minute": 14}
